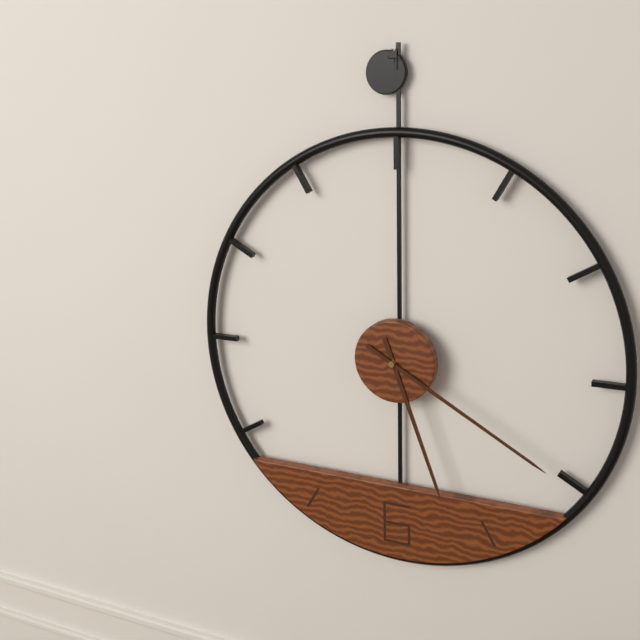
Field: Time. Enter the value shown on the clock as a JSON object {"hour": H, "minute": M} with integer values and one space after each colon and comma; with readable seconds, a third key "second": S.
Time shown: {"hour": 5, "minute": 20}
